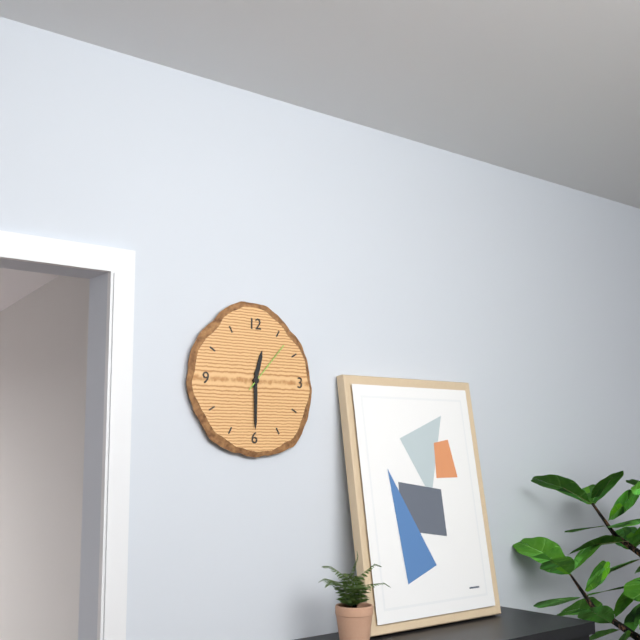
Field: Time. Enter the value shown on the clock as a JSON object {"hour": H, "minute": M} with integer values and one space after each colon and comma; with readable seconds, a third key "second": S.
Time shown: {"hour": 12, "minute": 30, "second": 7}
